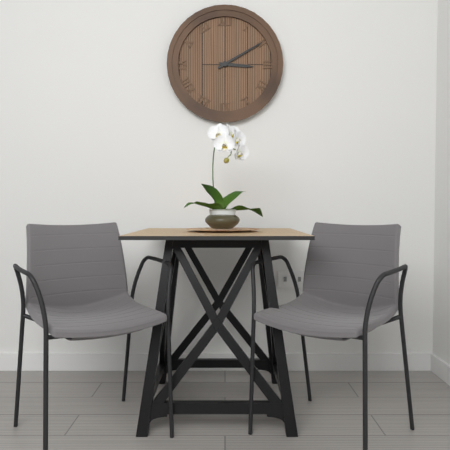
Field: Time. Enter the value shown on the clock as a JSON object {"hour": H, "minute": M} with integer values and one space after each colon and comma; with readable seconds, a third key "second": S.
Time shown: {"hour": 3, "minute": 10}
